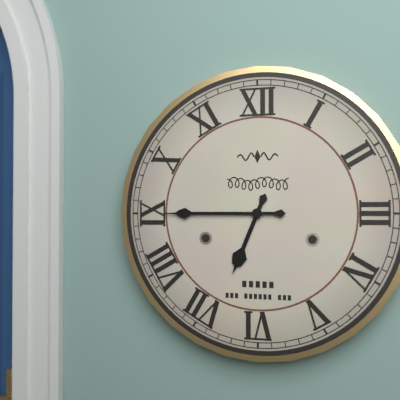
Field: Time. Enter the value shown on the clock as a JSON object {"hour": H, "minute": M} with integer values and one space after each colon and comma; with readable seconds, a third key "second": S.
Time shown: {"hour": 6, "minute": 45}
